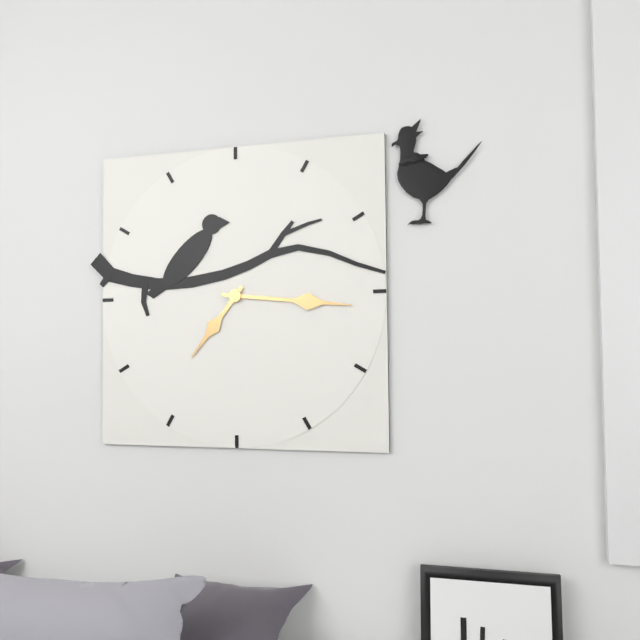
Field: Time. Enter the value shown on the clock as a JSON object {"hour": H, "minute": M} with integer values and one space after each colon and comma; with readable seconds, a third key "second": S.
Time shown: {"hour": 7, "minute": 16}
